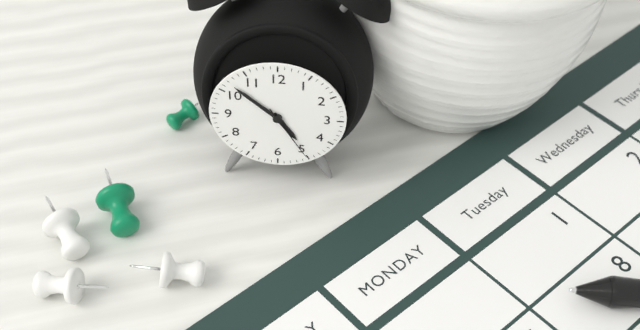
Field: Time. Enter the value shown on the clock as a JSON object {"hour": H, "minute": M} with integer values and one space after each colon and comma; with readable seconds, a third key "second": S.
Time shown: {"hour": 4, "minute": 52, "second": 25}
